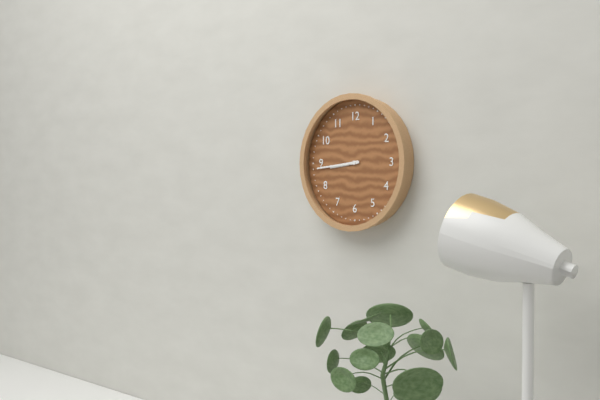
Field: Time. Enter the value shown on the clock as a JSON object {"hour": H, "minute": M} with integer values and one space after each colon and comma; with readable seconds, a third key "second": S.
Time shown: {"hour": 8, "minute": 44}
